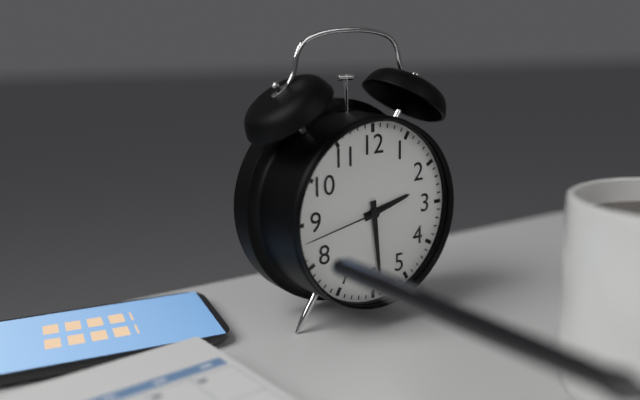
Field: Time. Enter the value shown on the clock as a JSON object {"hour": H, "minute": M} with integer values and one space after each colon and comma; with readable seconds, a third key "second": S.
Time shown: {"hour": 2, "minute": 29, "second": 43}
